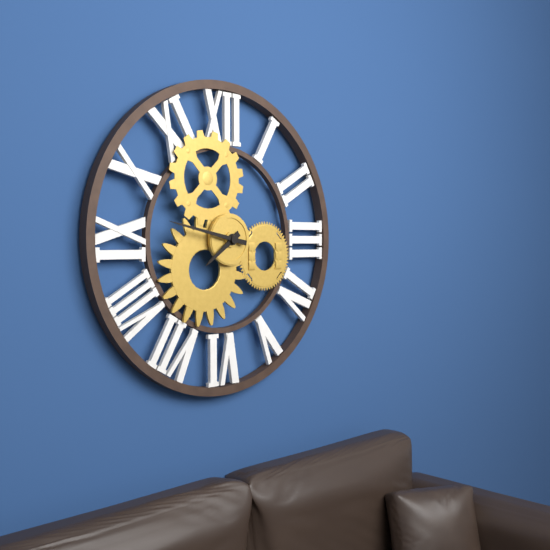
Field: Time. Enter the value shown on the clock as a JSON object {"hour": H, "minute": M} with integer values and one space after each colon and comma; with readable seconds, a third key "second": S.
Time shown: {"hour": 7, "minute": 47}
